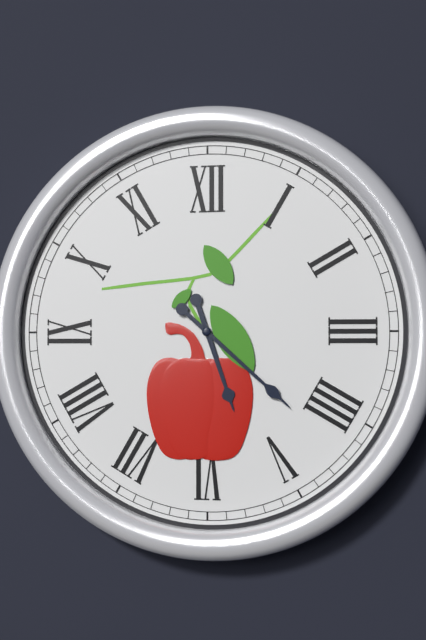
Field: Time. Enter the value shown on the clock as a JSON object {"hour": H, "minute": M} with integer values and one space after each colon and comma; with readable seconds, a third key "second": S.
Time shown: {"hour": 5, "minute": 22}
